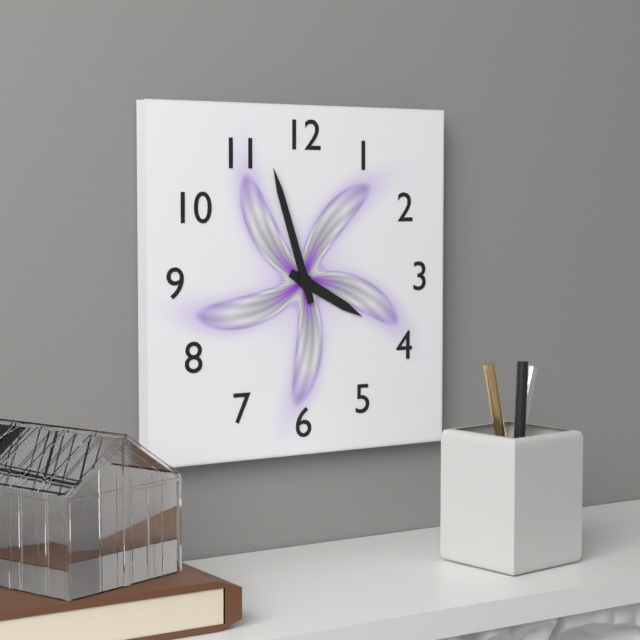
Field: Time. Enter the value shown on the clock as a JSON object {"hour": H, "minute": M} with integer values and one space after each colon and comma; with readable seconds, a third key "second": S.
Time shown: {"hour": 3, "minute": 57}
